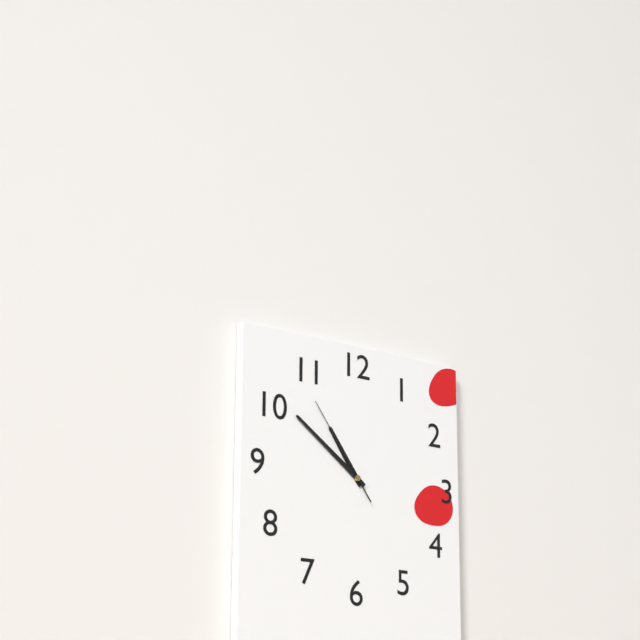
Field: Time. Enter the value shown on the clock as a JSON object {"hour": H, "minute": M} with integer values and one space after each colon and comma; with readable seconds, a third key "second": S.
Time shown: {"hour": 10, "minute": 51, "second": 54}
